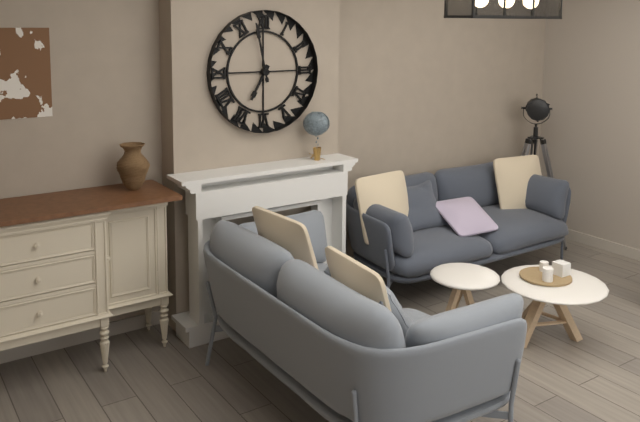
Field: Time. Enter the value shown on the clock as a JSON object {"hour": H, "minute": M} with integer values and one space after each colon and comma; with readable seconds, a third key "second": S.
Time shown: {"hour": 6, "minute": 58}
